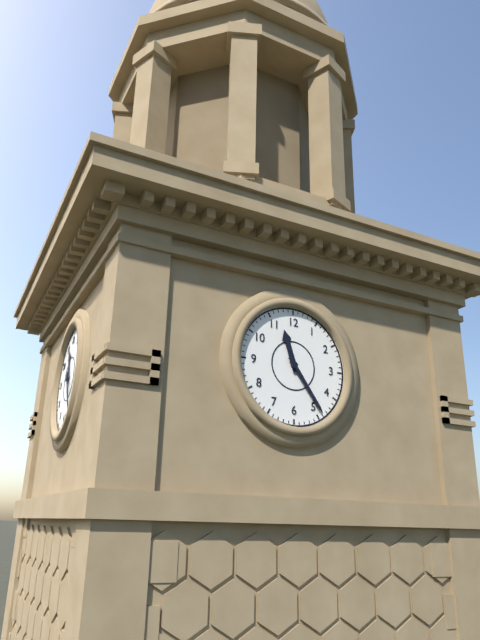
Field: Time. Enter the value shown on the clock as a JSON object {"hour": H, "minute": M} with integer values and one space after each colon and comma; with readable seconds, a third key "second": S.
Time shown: {"hour": 11, "minute": 24}
